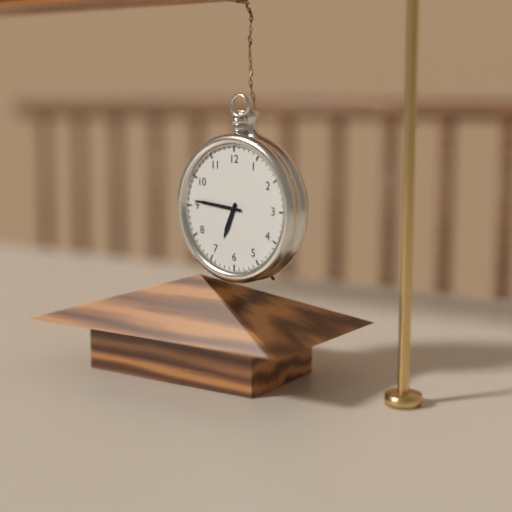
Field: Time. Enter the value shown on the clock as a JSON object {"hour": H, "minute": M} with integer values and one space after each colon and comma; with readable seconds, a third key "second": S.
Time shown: {"hour": 6, "minute": 46}
